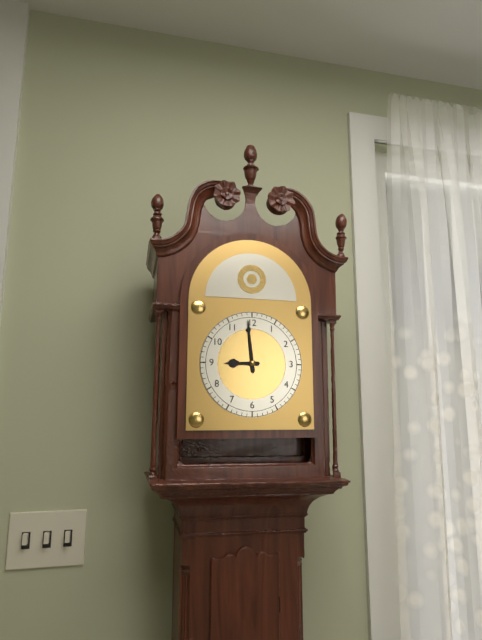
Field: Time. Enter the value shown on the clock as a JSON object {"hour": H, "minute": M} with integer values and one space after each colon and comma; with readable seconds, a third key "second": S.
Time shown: {"hour": 8, "minute": 59}
